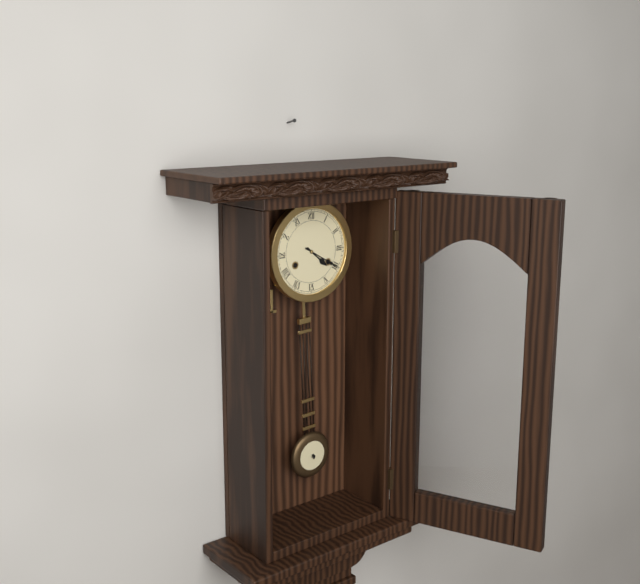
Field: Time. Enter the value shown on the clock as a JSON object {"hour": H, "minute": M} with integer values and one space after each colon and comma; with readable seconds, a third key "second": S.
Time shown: {"hour": 4, "minute": 20}
